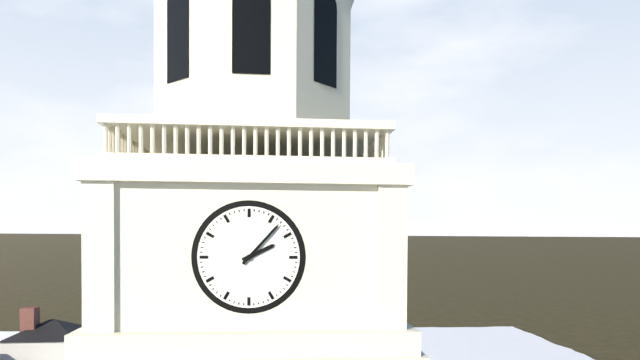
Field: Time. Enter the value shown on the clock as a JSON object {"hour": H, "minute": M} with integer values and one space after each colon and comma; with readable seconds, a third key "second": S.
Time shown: {"hour": 2, "minute": 7}
